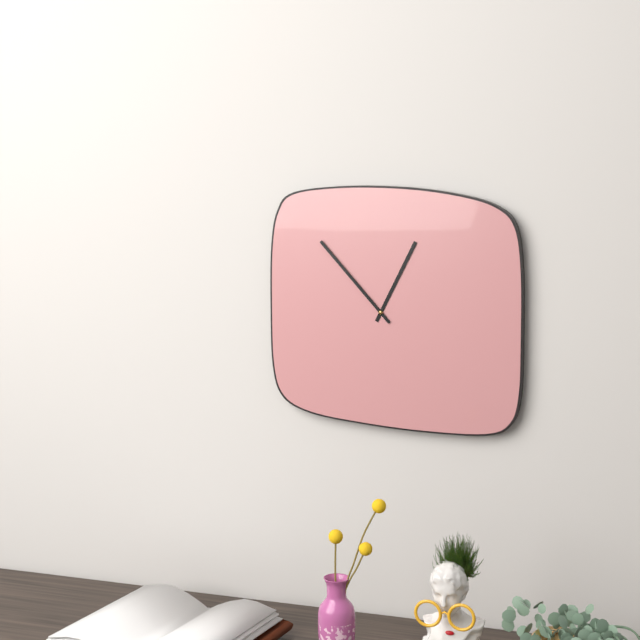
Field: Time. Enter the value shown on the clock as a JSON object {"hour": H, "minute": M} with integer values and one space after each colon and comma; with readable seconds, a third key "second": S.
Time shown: {"hour": 12, "minute": 53}
